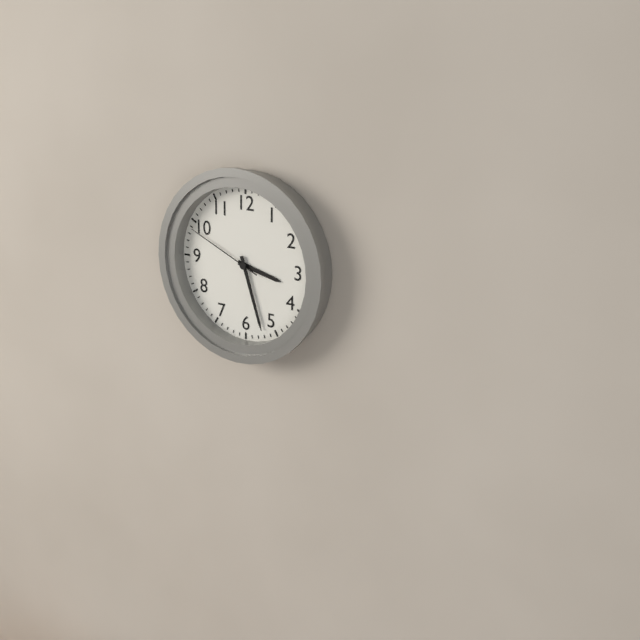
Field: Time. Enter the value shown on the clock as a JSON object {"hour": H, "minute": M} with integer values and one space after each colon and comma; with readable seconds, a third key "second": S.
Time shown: {"hour": 3, "minute": 27, "second": 49}
